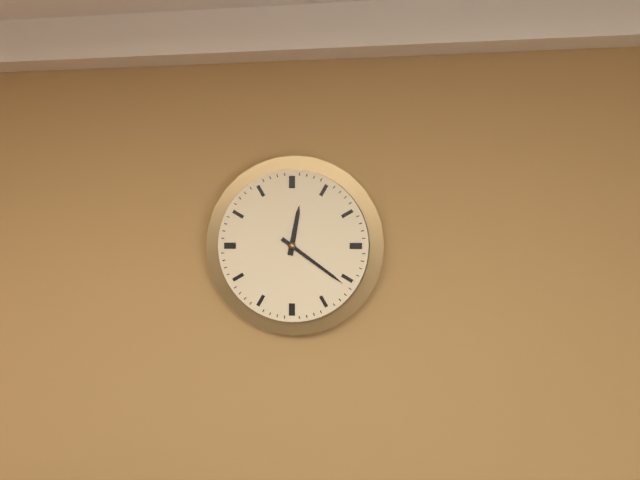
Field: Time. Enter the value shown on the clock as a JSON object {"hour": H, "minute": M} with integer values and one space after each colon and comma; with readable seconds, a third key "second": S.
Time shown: {"hour": 12, "minute": 21}
